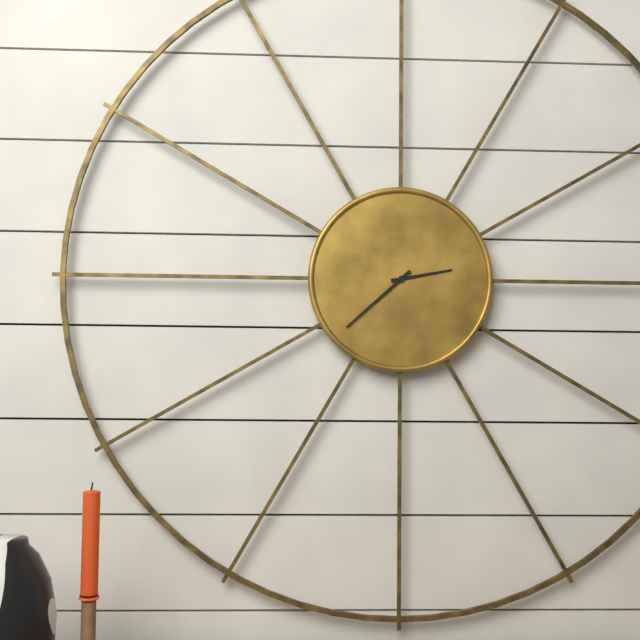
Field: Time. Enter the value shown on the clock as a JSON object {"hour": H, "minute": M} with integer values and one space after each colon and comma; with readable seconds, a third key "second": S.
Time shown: {"hour": 2, "minute": 38}
